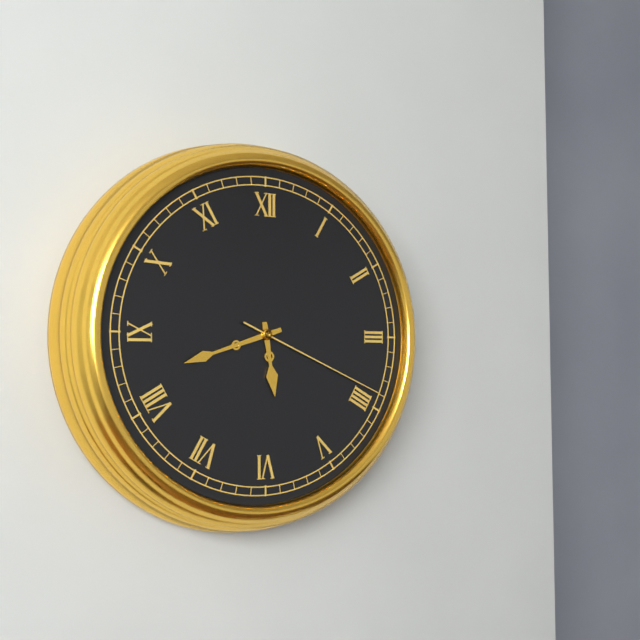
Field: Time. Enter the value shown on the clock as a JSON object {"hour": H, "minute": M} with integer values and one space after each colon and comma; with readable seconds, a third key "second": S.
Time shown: {"hour": 5, "minute": 42, "second": 19}
